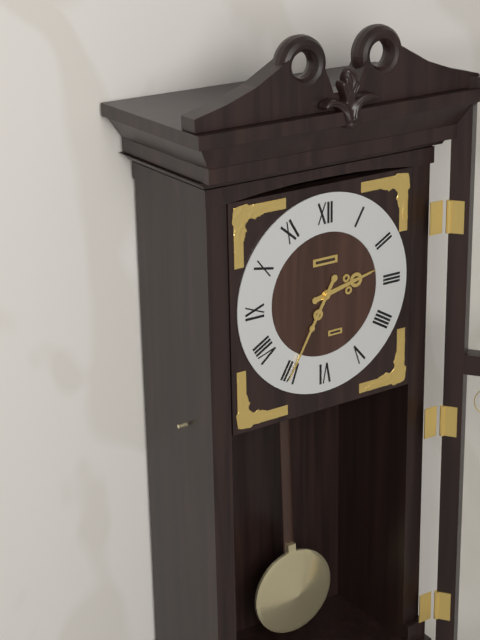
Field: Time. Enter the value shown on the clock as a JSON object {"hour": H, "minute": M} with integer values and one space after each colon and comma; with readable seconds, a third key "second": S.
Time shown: {"hour": 2, "minute": 35}
